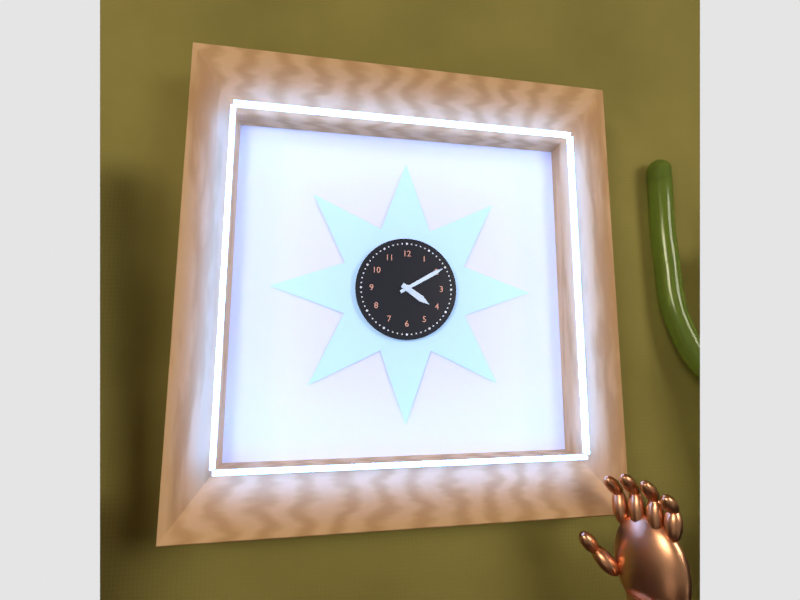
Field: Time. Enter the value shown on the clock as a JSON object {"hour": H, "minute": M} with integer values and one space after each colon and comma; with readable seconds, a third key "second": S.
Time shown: {"hour": 4, "minute": 10}
